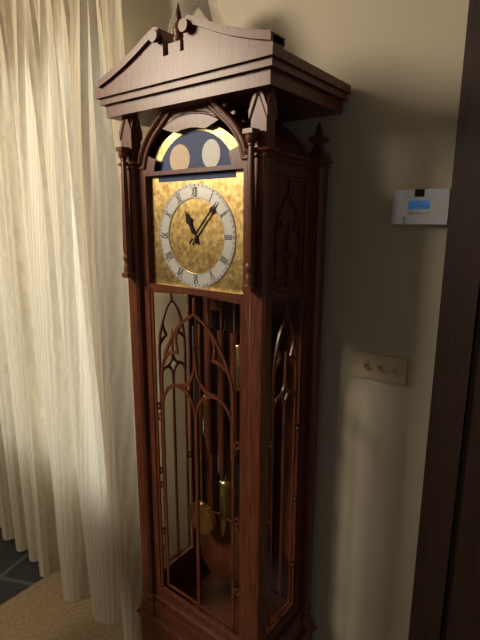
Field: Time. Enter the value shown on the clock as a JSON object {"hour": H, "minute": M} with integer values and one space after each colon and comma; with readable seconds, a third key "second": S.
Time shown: {"hour": 11, "minute": 7}
